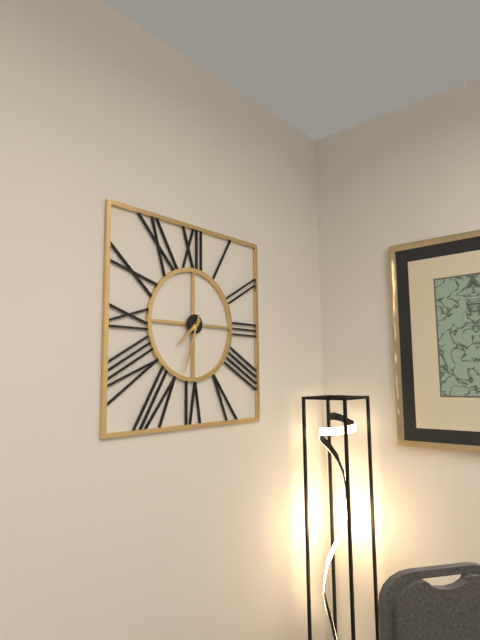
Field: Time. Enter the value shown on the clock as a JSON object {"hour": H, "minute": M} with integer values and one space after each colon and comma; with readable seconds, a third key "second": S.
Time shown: {"hour": 7, "minute": 33}
